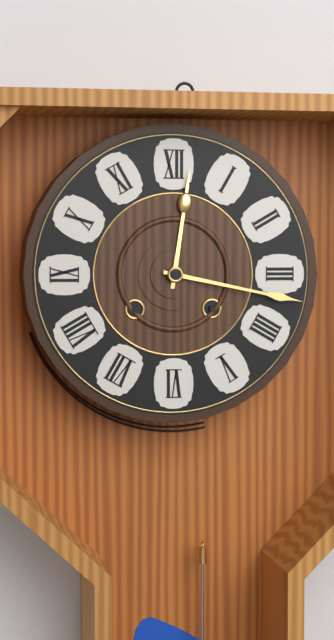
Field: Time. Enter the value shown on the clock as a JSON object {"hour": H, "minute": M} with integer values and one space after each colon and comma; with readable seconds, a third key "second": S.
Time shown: {"hour": 12, "minute": 17}
